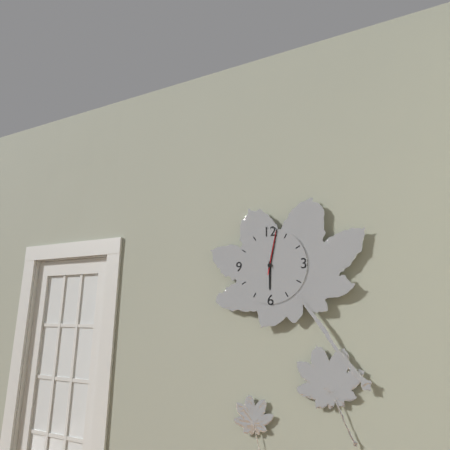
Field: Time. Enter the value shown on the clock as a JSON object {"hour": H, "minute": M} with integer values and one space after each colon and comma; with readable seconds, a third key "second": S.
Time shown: {"hour": 6, "minute": 2}
